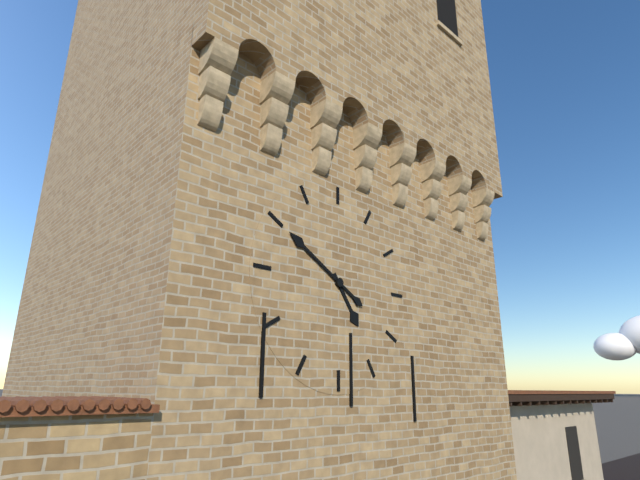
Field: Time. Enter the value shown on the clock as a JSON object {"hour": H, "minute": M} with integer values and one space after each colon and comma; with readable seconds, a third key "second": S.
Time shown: {"hour": 4, "minute": 50}
